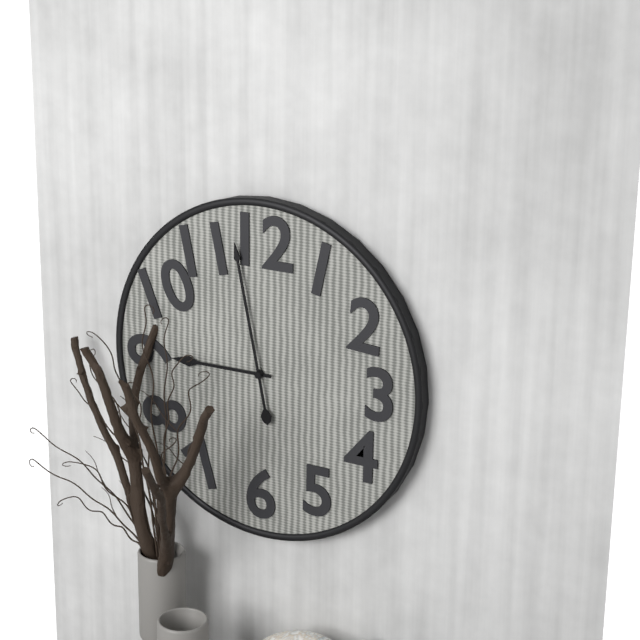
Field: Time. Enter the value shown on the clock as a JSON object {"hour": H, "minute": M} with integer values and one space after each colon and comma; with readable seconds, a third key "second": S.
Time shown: {"hour": 8, "minute": 58}
